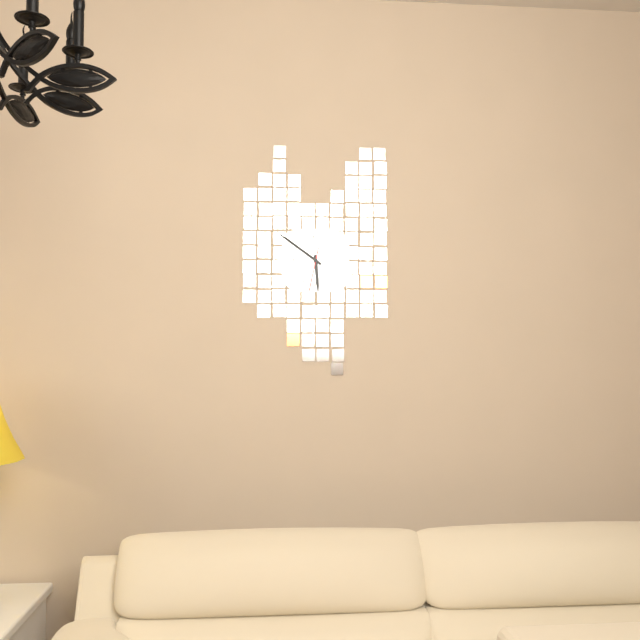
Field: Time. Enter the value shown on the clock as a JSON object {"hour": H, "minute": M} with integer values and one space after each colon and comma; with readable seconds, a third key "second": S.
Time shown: {"hour": 5, "minute": 51, "second": 32}
